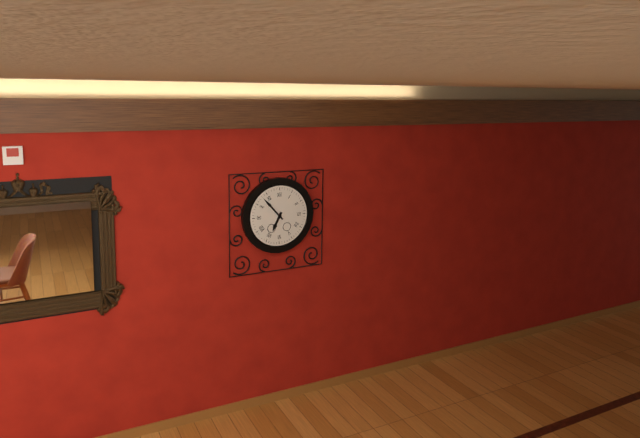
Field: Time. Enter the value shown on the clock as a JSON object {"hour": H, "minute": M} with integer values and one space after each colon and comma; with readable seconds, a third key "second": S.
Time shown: {"hour": 6, "minute": 53}
